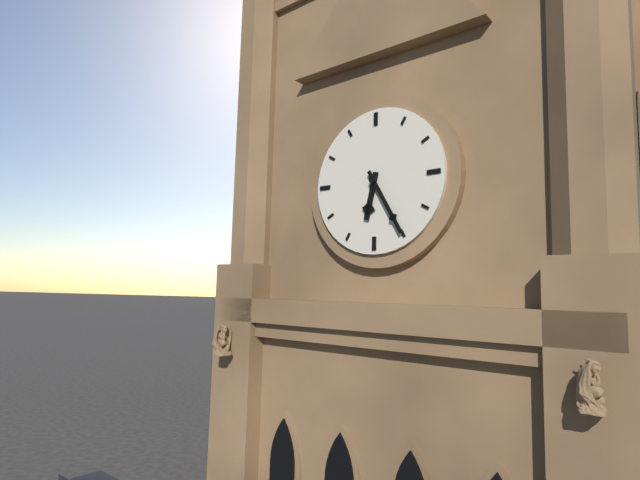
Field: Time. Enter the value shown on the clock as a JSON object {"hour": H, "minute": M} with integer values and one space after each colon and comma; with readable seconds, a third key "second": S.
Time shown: {"hour": 6, "minute": 25}
